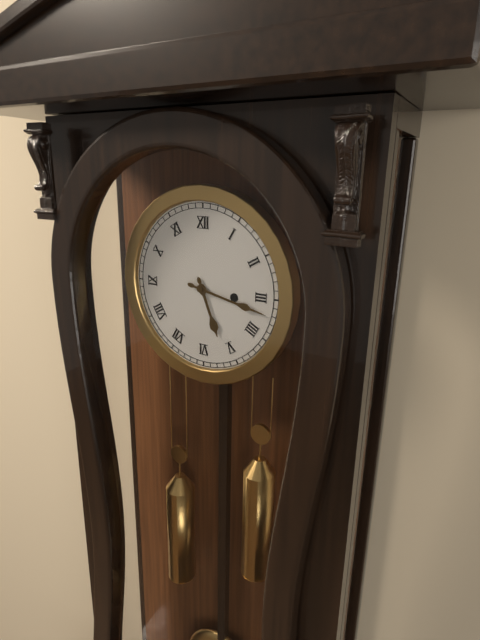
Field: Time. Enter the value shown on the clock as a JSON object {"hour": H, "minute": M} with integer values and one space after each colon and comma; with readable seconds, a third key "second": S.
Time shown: {"hour": 5, "minute": 17}
